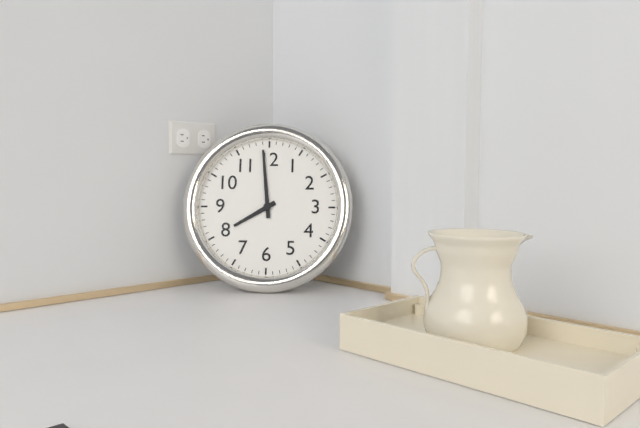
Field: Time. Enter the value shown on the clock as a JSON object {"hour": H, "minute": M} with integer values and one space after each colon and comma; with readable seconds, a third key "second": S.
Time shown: {"hour": 7, "minute": 59}
